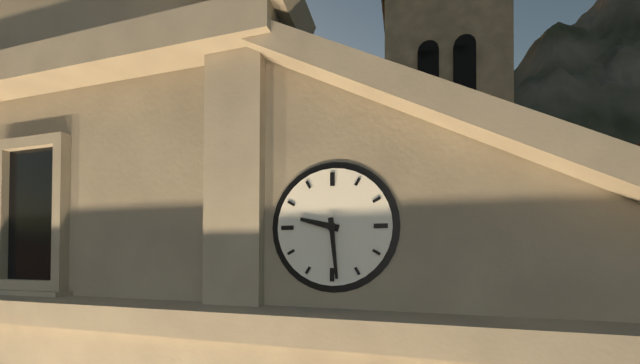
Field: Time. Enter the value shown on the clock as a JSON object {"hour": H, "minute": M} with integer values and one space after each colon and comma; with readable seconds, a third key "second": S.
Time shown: {"hour": 9, "minute": 29}
